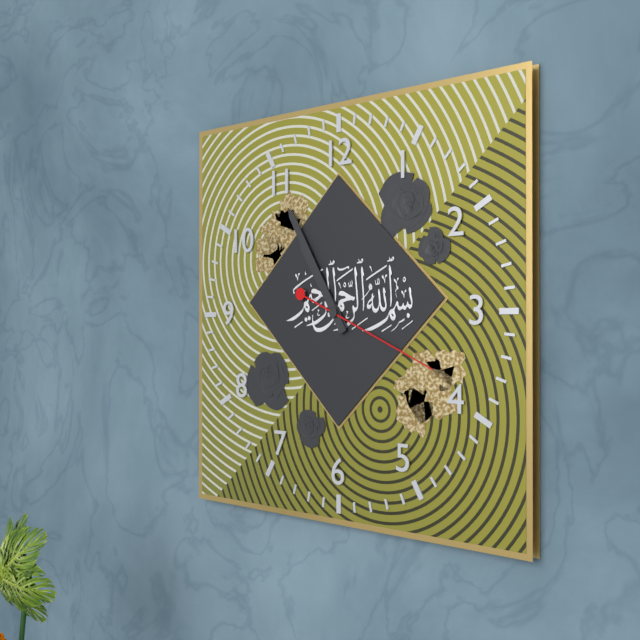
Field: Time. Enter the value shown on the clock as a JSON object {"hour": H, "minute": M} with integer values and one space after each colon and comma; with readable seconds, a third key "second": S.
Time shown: {"hour": 10, "minute": 55, "second": 19}
